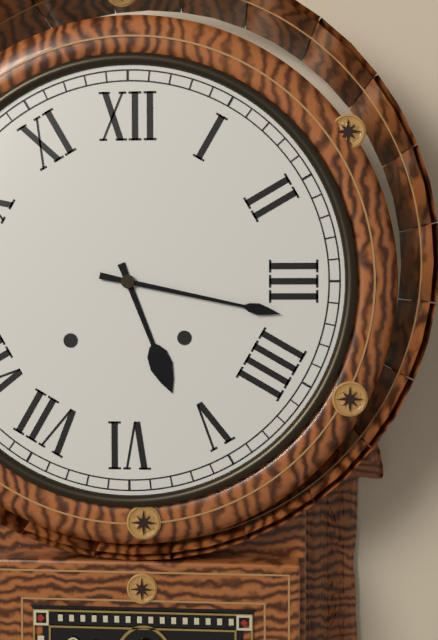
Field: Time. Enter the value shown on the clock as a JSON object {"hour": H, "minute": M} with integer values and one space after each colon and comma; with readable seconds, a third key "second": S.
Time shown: {"hour": 5, "minute": 17}
